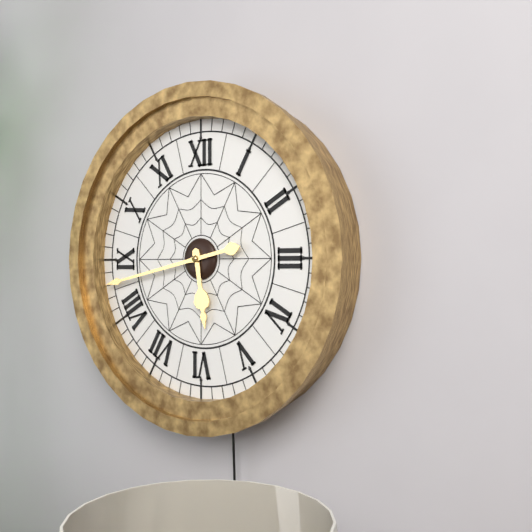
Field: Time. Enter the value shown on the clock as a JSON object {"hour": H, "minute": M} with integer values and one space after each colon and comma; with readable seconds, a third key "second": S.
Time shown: {"hour": 5, "minute": 43}
